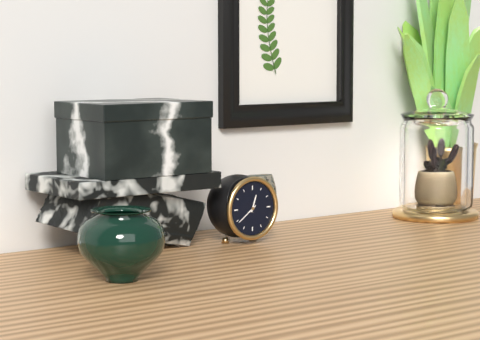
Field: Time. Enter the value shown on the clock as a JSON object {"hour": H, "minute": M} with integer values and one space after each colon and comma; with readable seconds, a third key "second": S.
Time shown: {"hour": 12, "minute": 39}
